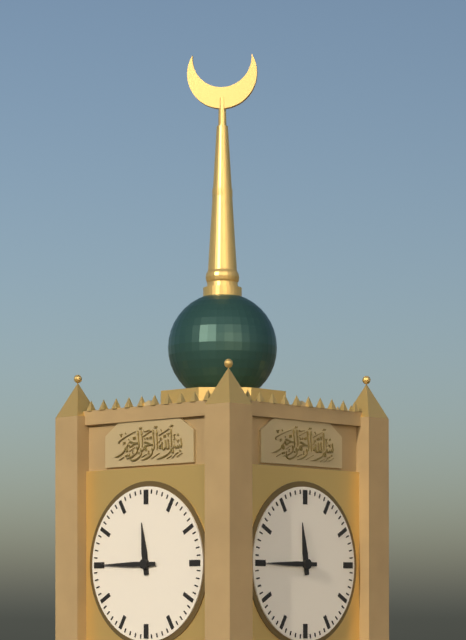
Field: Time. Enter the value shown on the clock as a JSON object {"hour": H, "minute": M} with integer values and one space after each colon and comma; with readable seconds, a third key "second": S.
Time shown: {"hour": 11, "minute": 45}
